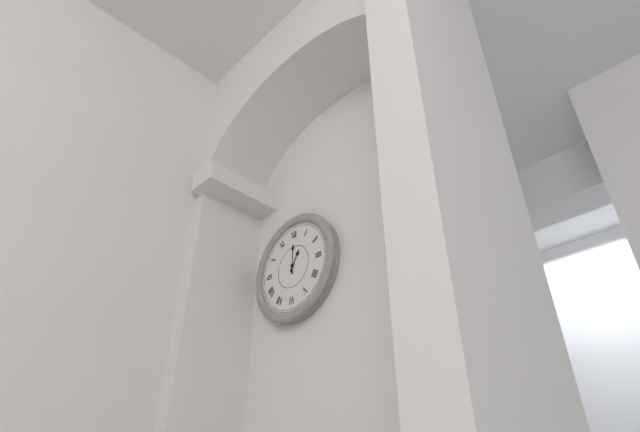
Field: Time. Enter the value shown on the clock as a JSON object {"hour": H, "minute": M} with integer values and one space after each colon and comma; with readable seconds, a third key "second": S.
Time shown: {"hour": 1, "minute": 0}
